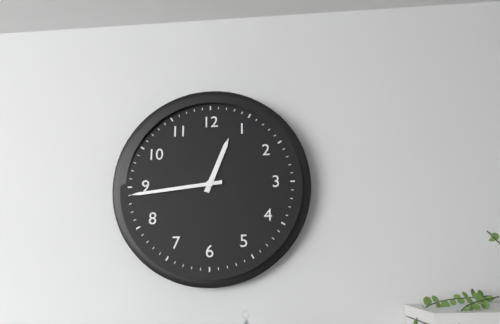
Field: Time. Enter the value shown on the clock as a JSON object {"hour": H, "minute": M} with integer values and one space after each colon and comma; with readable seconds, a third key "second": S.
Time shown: {"hour": 12, "minute": 44}
